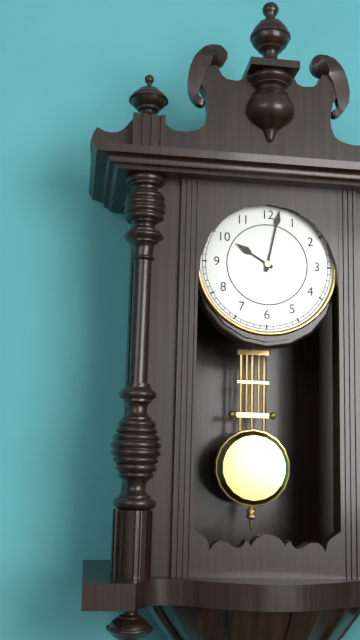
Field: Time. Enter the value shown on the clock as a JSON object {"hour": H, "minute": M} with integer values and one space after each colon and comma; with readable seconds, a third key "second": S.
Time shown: {"hour": 10, "minute": 2}
